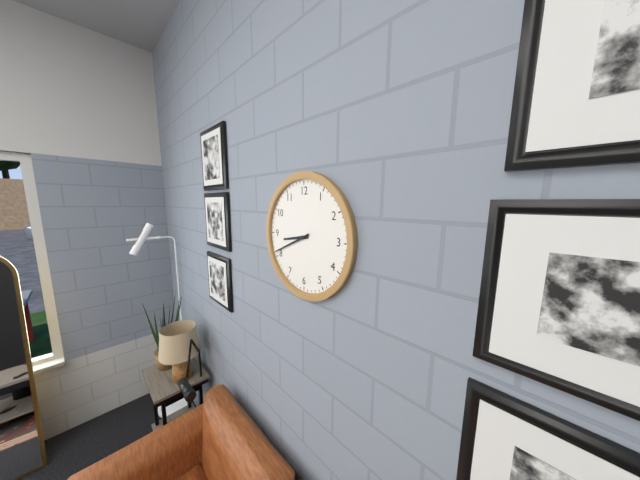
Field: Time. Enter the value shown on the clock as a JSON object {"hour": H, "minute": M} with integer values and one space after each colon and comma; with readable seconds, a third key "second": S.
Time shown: {"hour": 8, "minute": 41}
